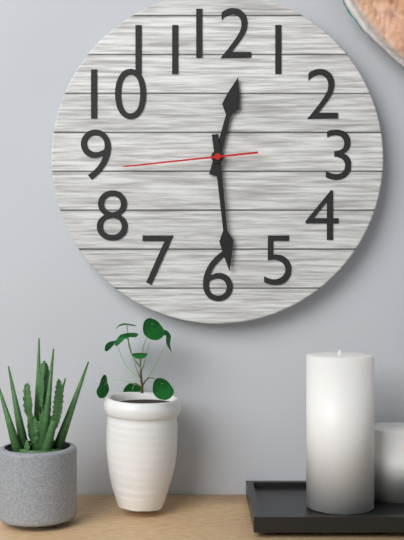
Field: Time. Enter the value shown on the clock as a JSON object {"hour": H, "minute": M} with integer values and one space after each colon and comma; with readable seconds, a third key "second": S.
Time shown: {"hour": 12, "minute": 29, "second": 44}
